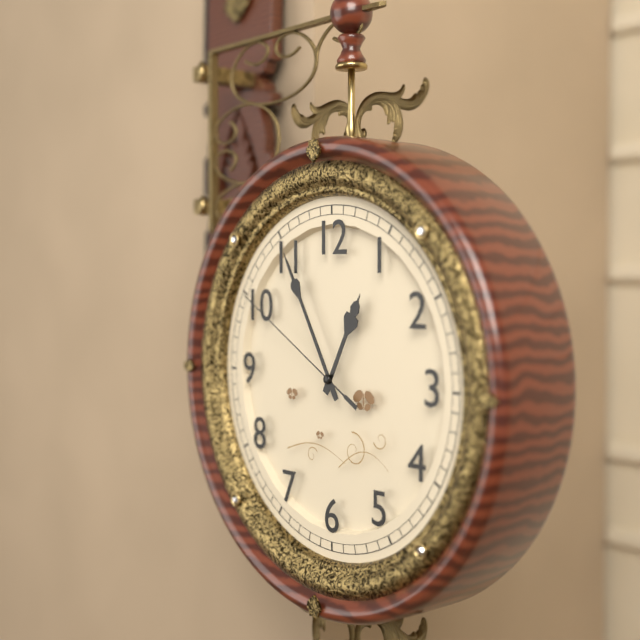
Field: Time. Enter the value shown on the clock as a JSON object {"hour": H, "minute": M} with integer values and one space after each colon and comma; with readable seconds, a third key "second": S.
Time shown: {"hour": 12, "minute": 55, "second": 50}
